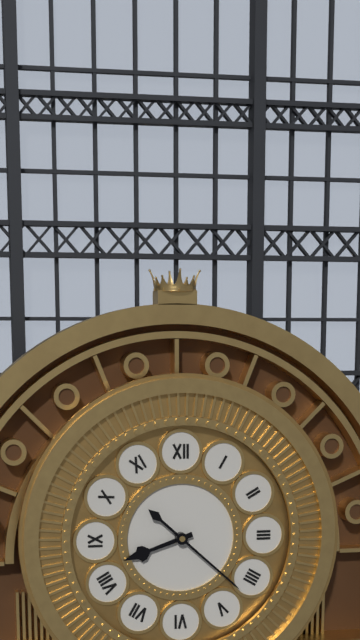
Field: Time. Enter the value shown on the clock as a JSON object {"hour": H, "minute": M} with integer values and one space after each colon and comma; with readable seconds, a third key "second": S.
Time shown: {"hour": 8, "minute": 22}
